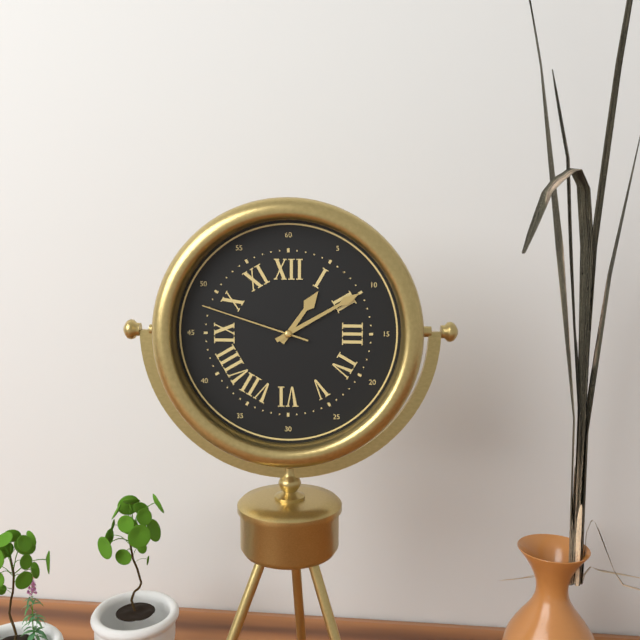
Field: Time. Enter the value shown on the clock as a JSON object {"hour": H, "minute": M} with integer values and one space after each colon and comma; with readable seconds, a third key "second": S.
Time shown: {"hour": 1, "minute": 10, "second": 48}
